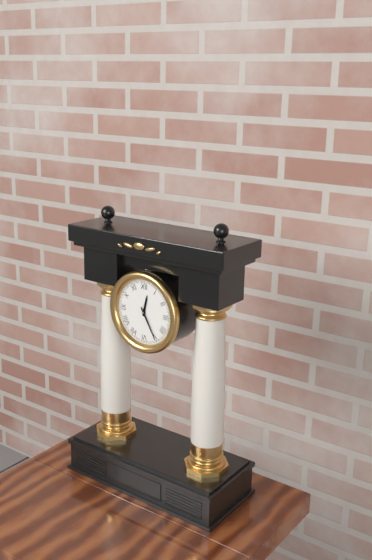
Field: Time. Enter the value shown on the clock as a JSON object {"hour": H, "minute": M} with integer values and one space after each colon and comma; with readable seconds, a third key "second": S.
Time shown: {"hour": 12, "minute": 25}
